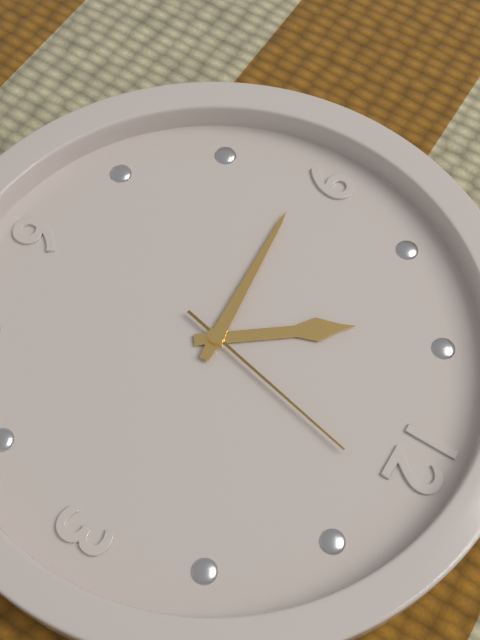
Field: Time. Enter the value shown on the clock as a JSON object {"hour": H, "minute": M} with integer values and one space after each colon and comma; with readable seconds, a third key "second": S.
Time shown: {"hour": 10, "minute": 44, "second": 2}
